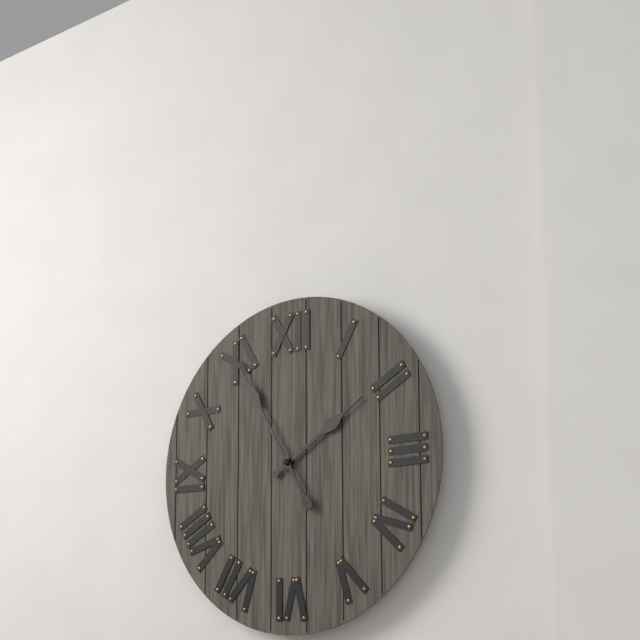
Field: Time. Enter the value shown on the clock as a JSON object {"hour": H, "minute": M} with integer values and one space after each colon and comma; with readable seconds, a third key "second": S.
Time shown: {"hour": 1, "minute": 55}
